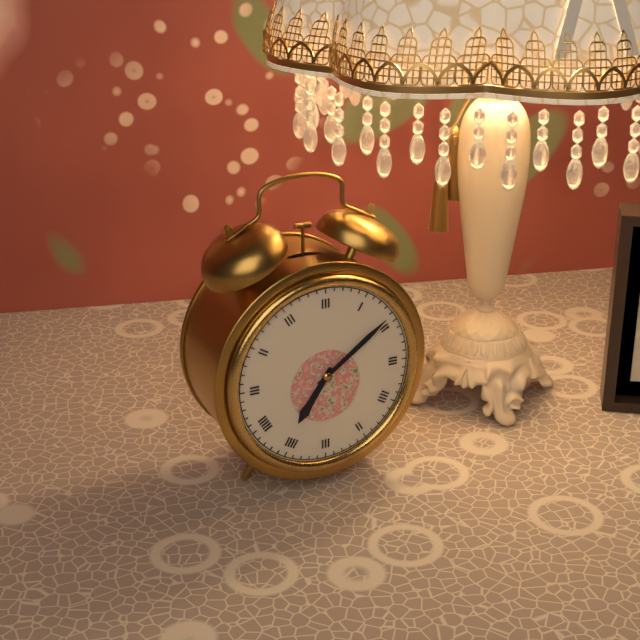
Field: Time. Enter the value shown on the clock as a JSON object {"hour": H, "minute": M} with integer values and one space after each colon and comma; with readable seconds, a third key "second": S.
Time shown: {"hour": 7, "minute": 9}
